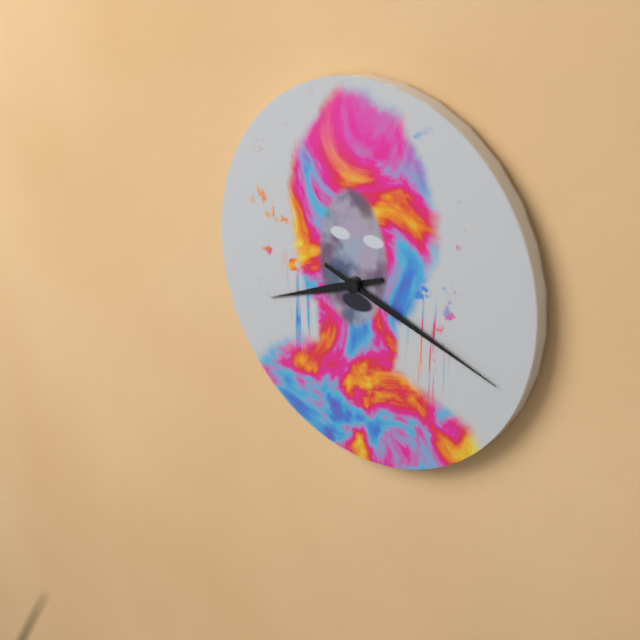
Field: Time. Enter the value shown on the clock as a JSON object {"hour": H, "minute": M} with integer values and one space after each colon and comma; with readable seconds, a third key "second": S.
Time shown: {"hour": 8, "minute": 18}
